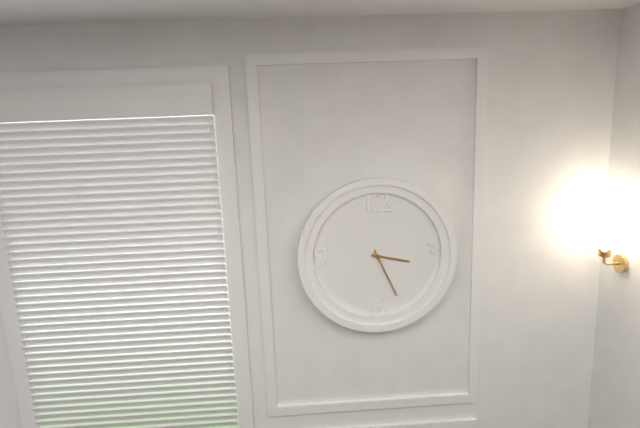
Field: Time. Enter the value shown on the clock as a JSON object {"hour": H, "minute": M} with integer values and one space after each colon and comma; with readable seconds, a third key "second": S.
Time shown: {"hour": 3, "minute": 26}
